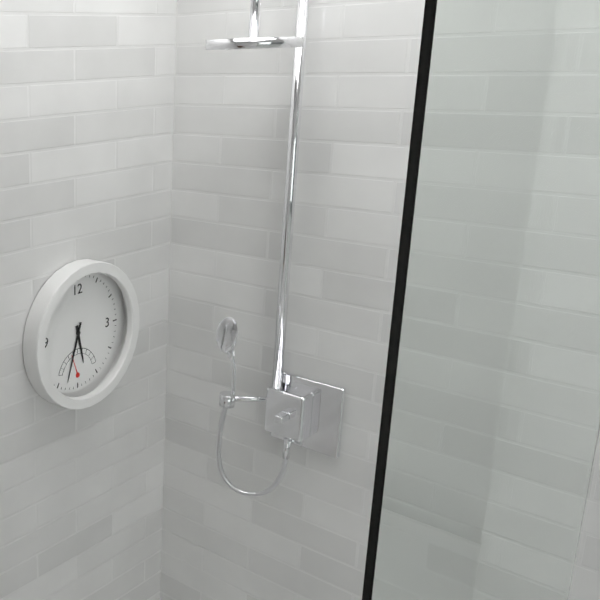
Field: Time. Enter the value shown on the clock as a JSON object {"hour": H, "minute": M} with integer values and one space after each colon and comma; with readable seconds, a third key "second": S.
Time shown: {"hour": 5, "minute": 33}
